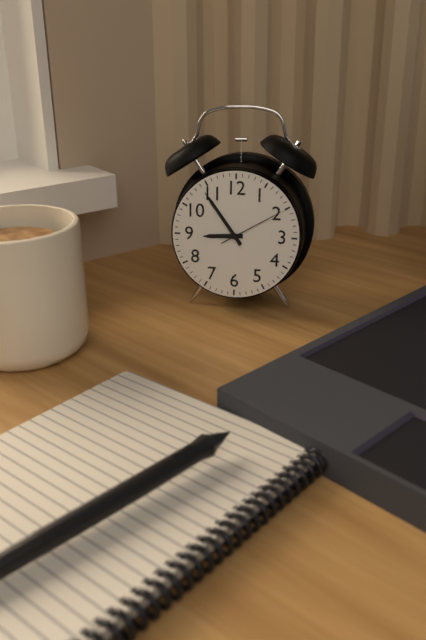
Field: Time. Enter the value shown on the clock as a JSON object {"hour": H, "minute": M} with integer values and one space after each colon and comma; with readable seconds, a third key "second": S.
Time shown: {"hour": 8, "minute": 54, "second": 10}
